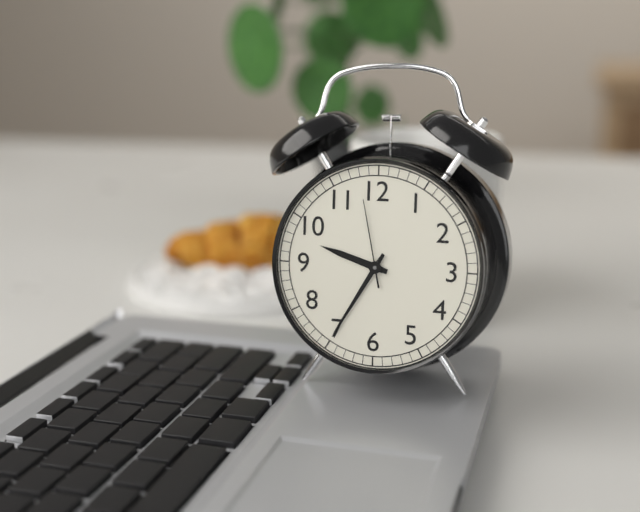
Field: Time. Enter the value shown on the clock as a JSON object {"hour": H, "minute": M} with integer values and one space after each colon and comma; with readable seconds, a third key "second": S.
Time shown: {"hour": 9, "minute": 35, "second": 58}
